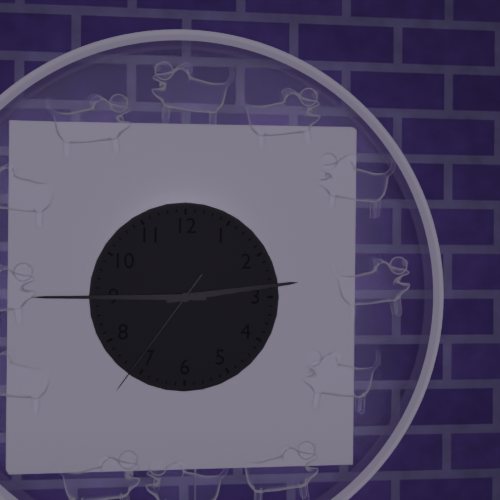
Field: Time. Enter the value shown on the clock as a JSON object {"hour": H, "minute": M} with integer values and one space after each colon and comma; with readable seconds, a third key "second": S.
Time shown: {"hour": 2, "minute": 45, "second": 36}
